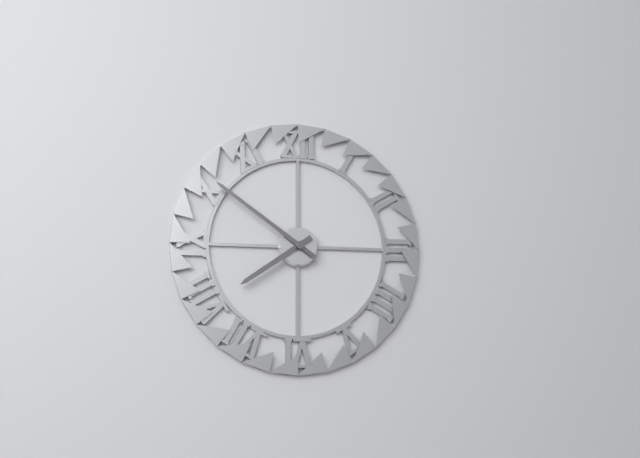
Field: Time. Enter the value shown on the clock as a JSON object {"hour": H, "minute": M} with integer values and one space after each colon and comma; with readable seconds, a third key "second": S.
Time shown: {"hour": 7, "minute": 51}
